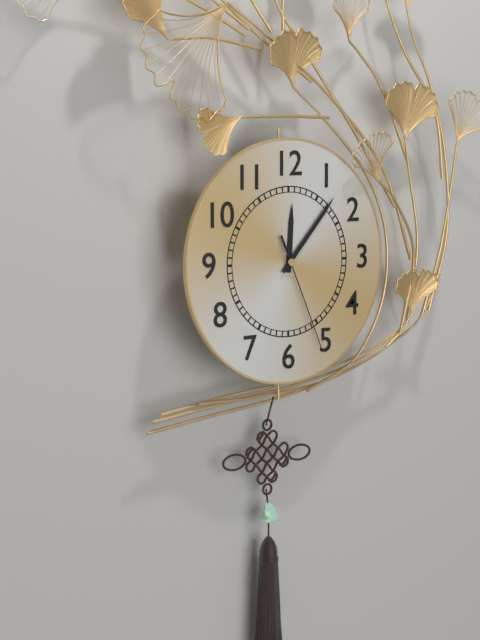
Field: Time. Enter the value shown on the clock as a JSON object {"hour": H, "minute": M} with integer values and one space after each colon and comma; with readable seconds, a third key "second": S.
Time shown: {"hour": 12, "minute": 7, "second": 26}
